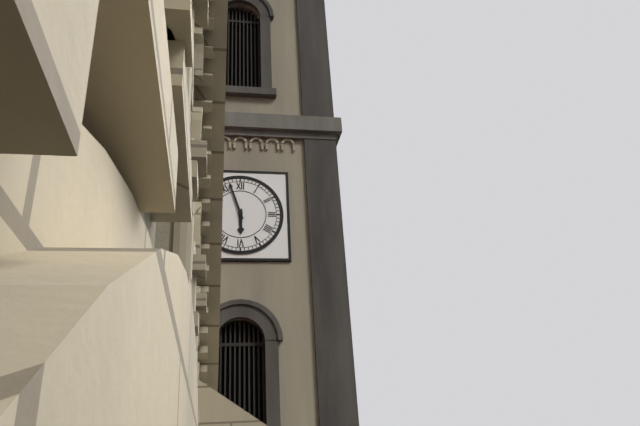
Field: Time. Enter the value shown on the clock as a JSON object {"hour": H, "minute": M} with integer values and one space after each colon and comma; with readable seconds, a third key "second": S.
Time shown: {"hour": 5, "minute": 57}
